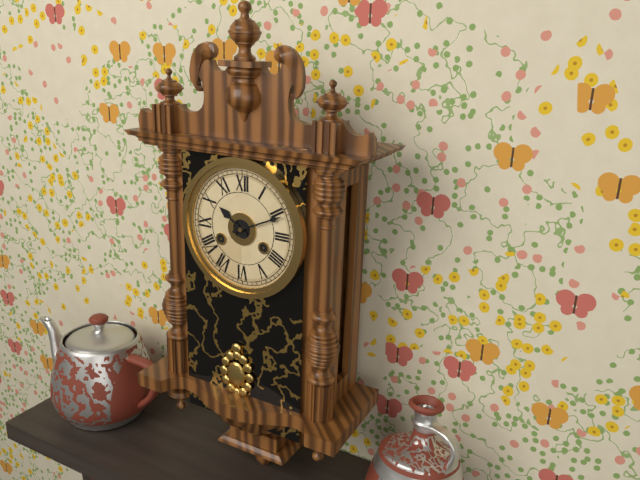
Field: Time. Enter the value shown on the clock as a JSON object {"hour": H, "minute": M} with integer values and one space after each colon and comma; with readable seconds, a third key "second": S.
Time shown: {"hour": 10, "minute": 11}
